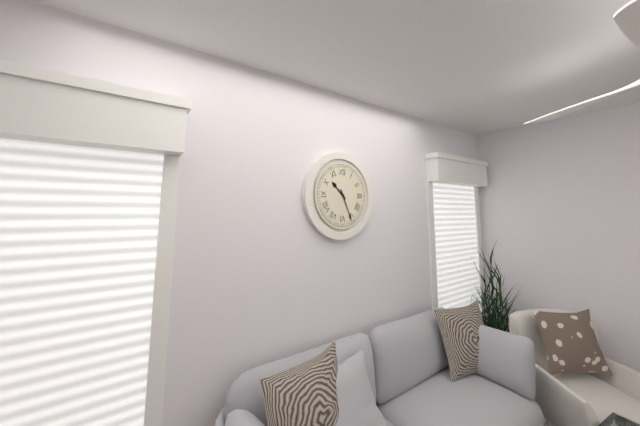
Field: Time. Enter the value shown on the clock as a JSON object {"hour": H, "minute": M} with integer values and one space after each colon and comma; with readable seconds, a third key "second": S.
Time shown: {"hour": 10, "minute": 26}
